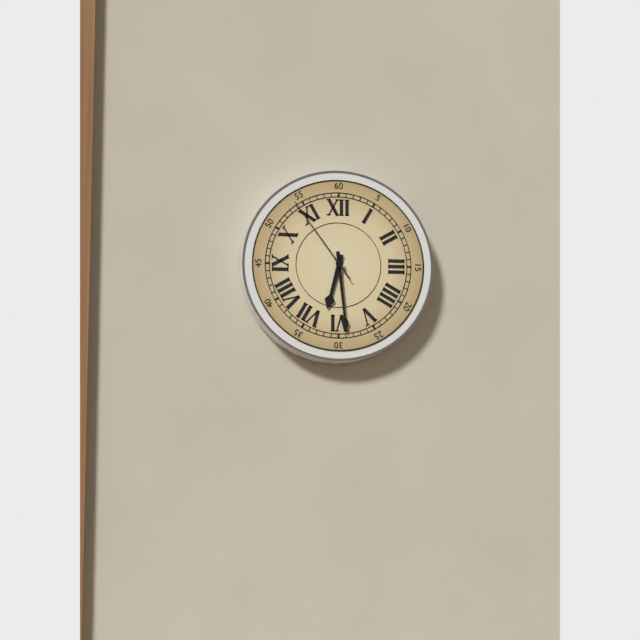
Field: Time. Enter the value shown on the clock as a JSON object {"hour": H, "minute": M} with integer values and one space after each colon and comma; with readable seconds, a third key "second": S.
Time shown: {"hour": 6, "minute": 29, "second": 54}
